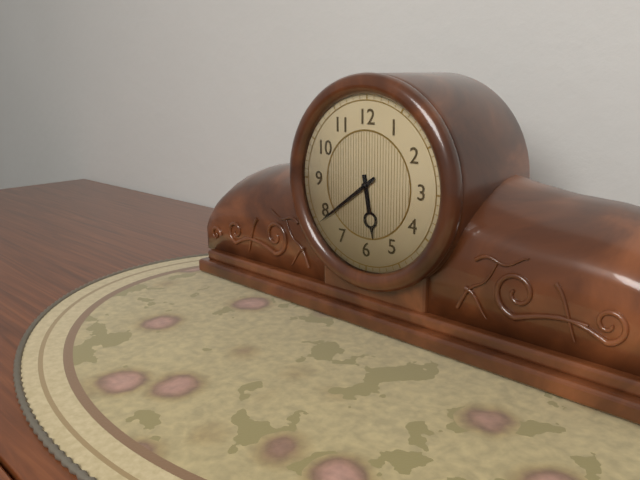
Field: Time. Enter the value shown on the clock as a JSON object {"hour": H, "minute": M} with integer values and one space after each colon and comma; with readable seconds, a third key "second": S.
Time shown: {"hour": 5, "minute": 39}
